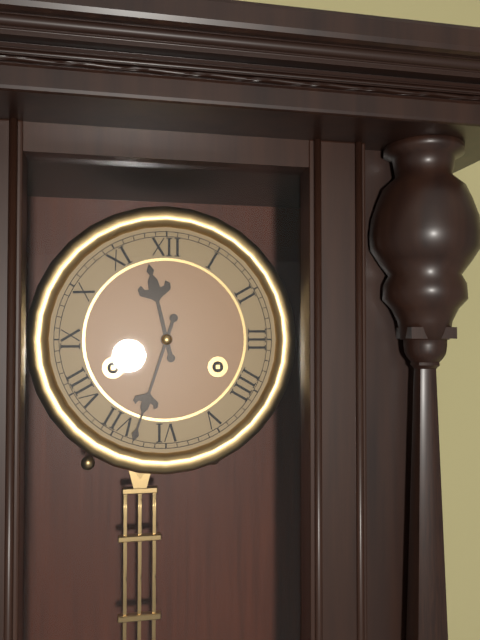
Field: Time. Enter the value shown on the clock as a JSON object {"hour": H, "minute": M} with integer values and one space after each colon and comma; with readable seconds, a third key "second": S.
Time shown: {"hour": 11, "minute": 33}
